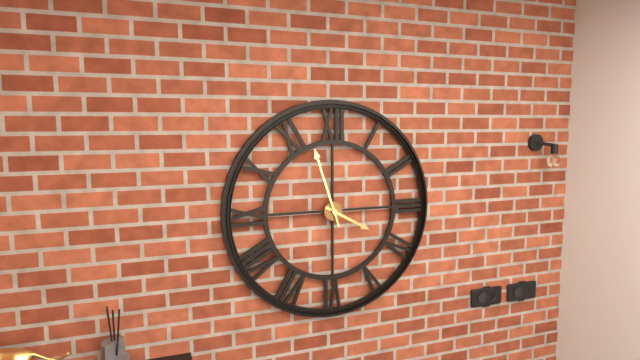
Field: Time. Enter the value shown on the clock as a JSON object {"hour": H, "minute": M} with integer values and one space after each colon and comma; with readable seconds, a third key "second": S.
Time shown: {"hour": 3, "minute": 57}
